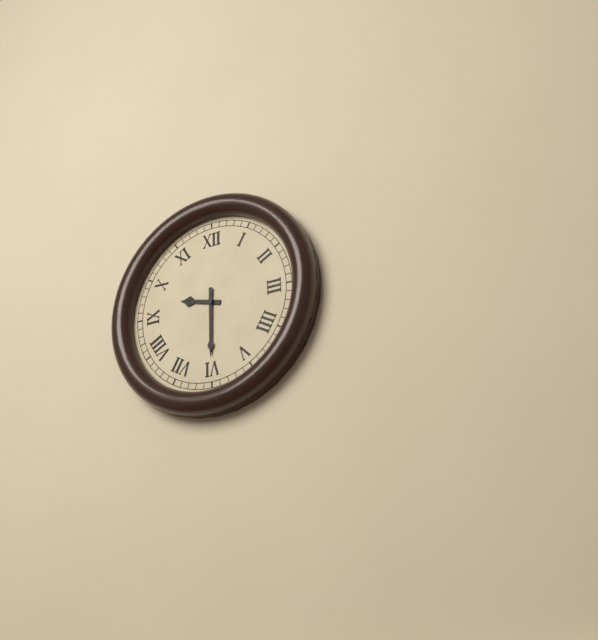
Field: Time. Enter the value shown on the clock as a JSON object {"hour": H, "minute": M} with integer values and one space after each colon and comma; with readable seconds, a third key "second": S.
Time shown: {"hour": 9, "minute": 30}
